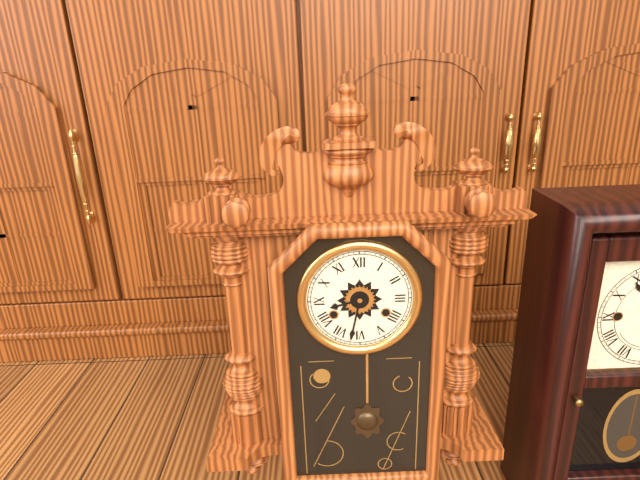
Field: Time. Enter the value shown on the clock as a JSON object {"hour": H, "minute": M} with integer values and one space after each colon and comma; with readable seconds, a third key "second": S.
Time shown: {"hour": 8, "minute": 32}
